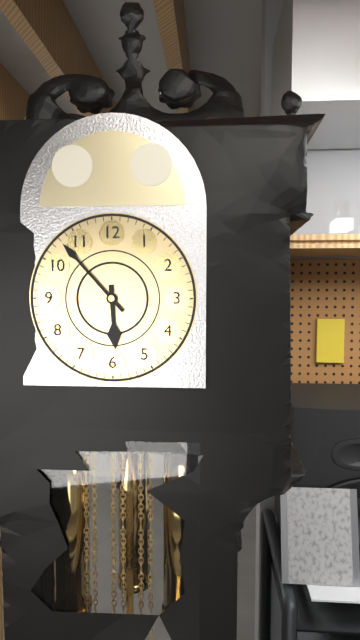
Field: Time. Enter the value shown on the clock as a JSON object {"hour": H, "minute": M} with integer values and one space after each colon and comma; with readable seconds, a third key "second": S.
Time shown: {"hour": 5, "minute": 53}
